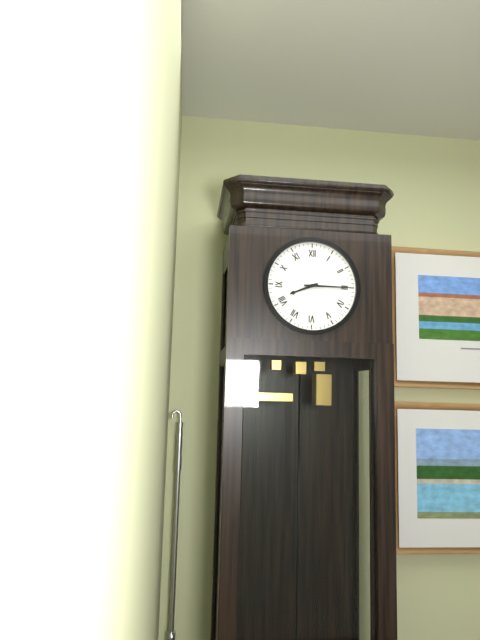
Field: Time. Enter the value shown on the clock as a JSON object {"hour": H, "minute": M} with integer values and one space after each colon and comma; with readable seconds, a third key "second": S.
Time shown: {"hour": 8, "minute": 15}
